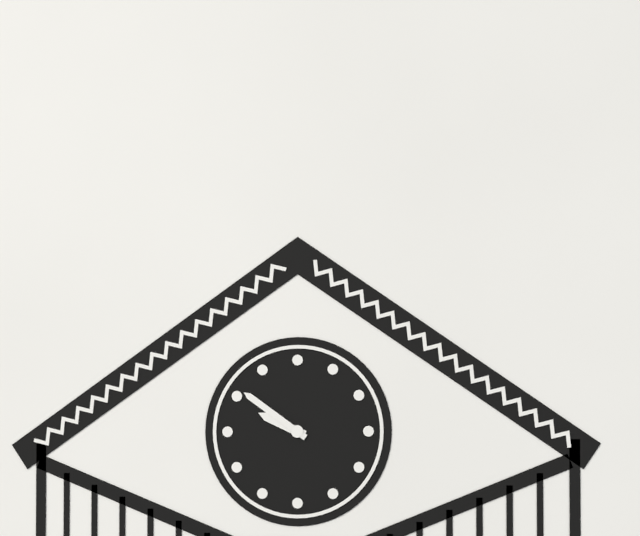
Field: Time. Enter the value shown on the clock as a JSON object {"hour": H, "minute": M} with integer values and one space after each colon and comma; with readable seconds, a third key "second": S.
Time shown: {"hour": 9, "minute": 51}
